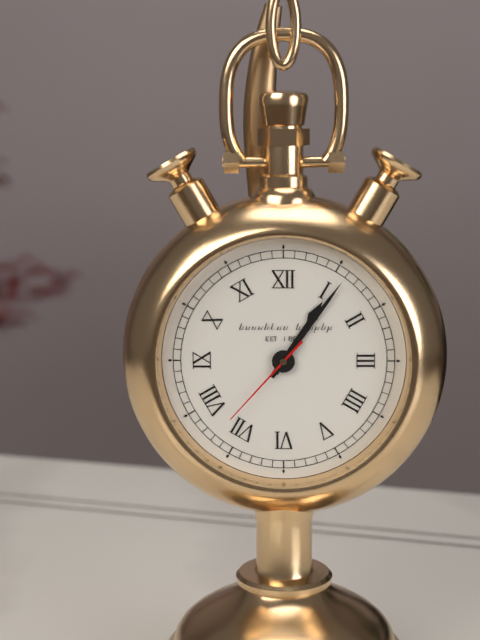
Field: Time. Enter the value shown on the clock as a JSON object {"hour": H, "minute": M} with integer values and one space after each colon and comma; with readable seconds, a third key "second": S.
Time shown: {"hour": 1, "minute": 6, "second": 37}
